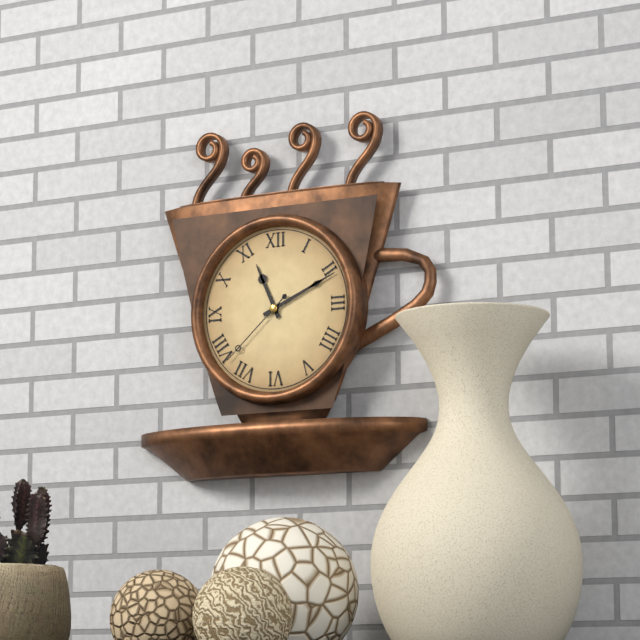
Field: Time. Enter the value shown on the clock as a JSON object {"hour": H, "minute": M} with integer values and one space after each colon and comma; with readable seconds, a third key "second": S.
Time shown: {"hour": 11, "minute": 11, "second": 38}
